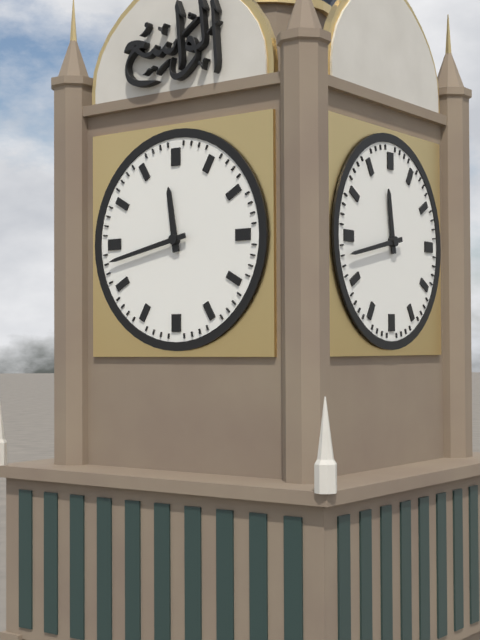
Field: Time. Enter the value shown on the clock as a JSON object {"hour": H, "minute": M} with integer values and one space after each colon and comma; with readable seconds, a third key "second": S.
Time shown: {"hour": 11, "minute": 43}
